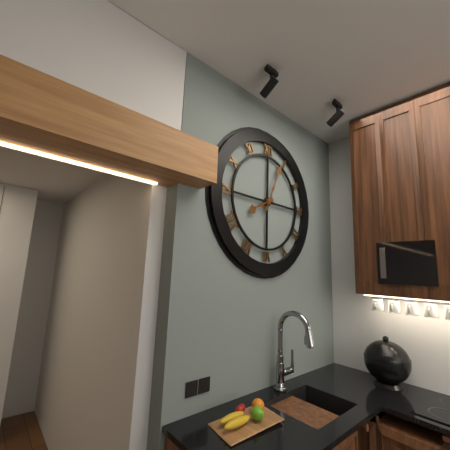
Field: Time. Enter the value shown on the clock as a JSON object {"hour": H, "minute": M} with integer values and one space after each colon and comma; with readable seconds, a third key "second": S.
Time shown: {"hour": 8, "minute": 4}
